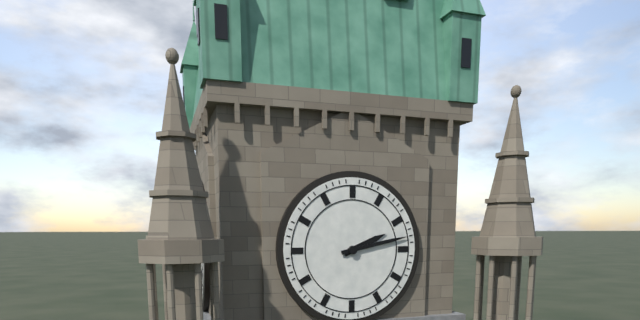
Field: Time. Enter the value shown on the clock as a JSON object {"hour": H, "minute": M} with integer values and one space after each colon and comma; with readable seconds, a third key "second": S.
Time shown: {"hour": 2, "minute": 13}
